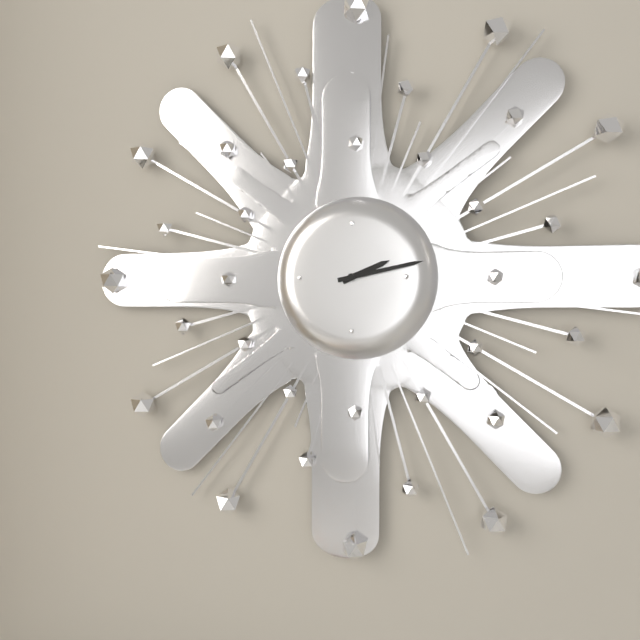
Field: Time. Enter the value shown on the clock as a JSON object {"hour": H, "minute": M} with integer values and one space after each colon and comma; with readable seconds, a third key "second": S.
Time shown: {"hour": 2, "minute": 13}
